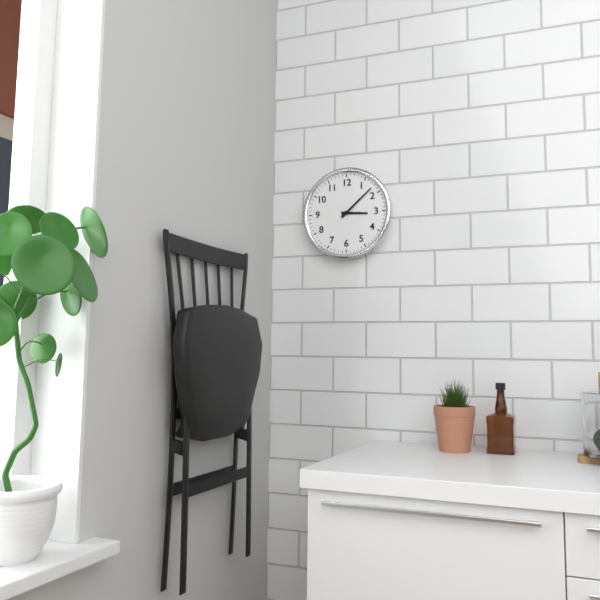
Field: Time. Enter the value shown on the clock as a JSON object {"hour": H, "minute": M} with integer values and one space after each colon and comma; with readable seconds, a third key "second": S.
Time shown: {"hour": 3, "minute": 8}
